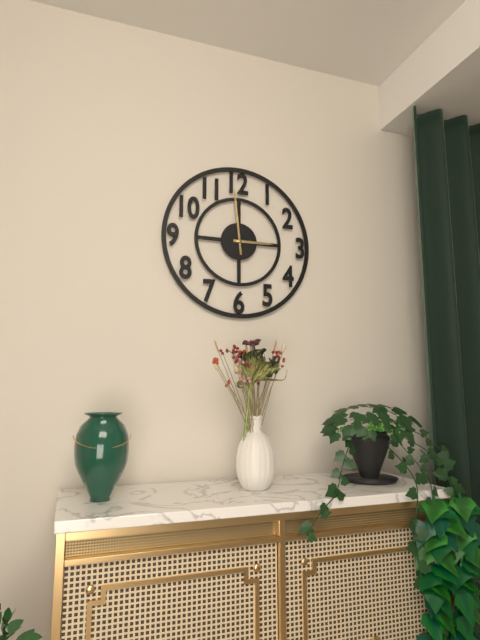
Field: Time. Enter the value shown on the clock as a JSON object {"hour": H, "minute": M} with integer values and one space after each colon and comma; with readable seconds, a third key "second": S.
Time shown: {"hour": 2, "minute": 59}
